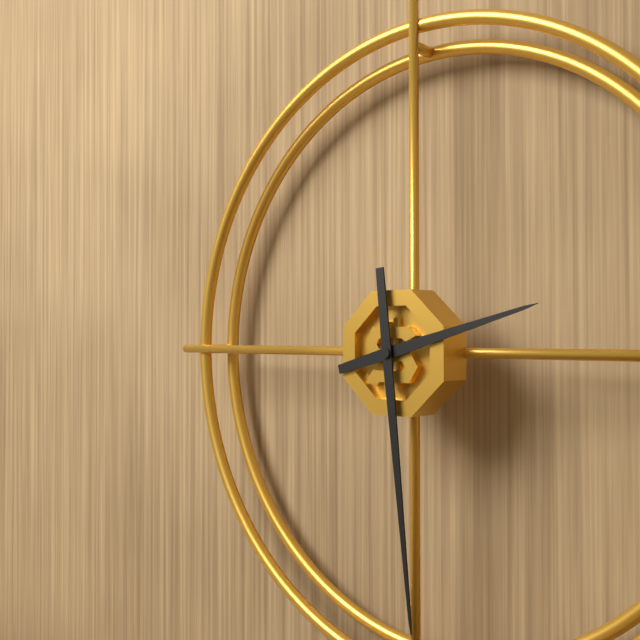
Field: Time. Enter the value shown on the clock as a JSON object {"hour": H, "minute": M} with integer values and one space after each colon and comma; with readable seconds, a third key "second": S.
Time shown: {"hour": 2, "minute": 29}
